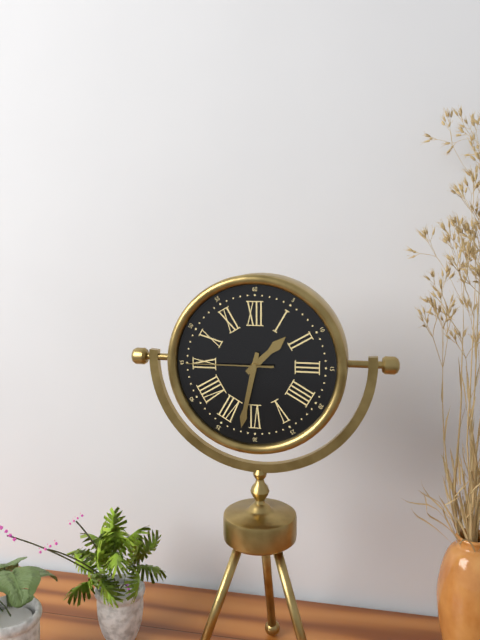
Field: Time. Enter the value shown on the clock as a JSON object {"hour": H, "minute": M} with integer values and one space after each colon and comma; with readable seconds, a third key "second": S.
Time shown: {"hour": 1, "minute": 32, "second": 45}
